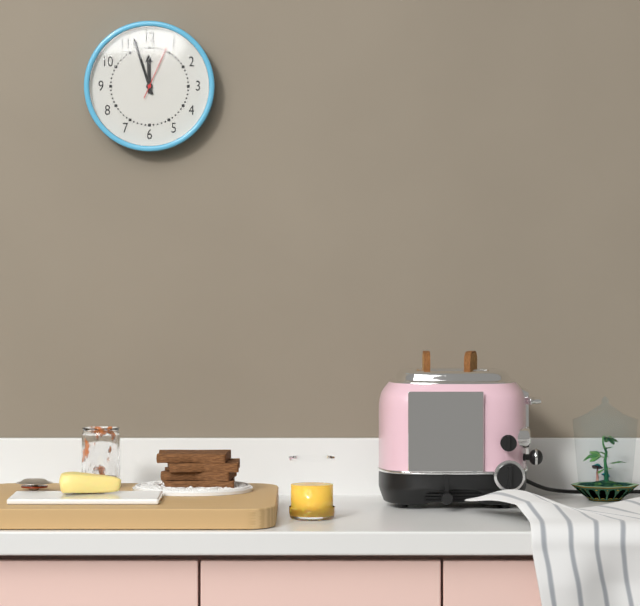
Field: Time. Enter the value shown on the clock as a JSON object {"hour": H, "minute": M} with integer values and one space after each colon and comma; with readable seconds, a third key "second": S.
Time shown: {"hour": 11, "minute": 57, "second": 4}
